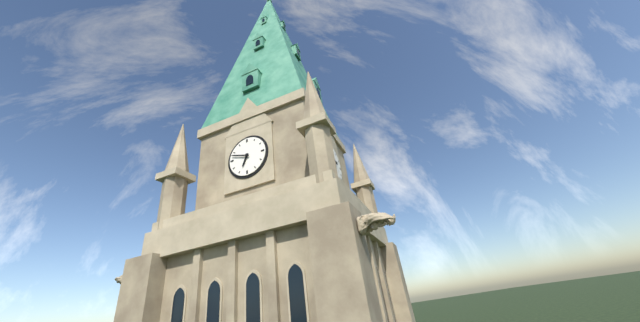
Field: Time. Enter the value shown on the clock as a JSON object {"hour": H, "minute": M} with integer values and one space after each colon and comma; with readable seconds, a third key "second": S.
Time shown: {"hour": 6, "minute": 48}
